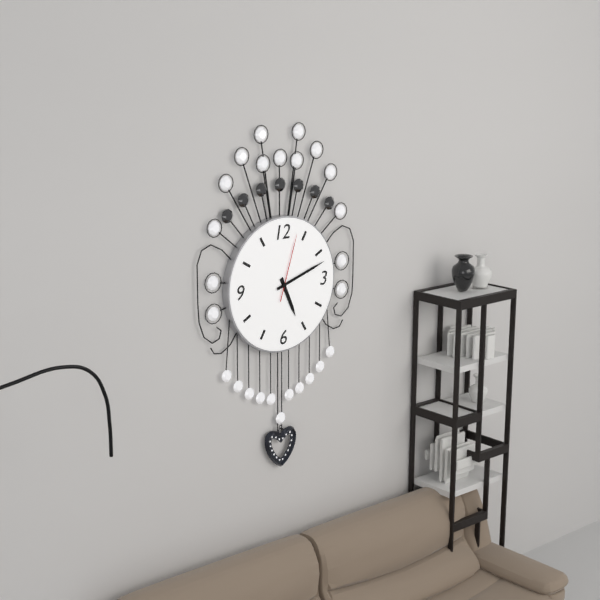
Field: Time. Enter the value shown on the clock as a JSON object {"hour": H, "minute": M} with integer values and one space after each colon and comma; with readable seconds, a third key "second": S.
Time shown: {"hour": 5, "minute": 12, "second": 3}
